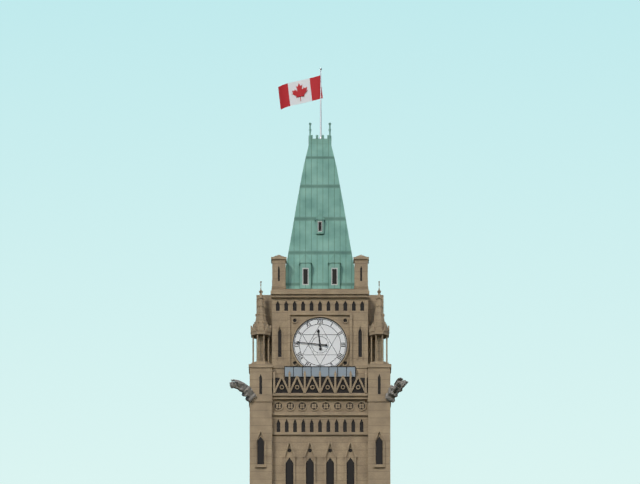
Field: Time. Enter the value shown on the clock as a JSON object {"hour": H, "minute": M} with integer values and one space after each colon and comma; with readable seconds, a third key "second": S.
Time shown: {"hour": 11, "minute": 46}
